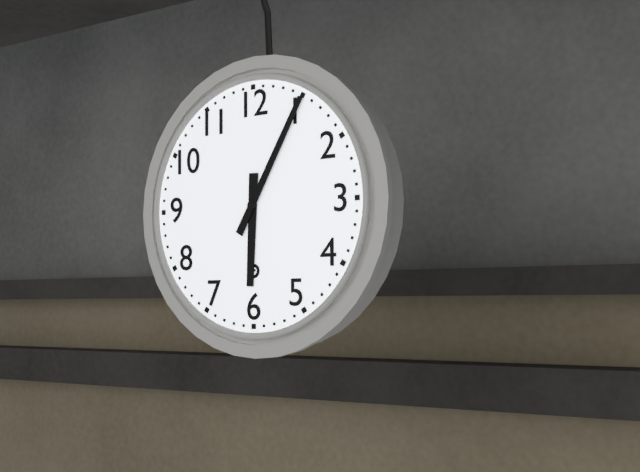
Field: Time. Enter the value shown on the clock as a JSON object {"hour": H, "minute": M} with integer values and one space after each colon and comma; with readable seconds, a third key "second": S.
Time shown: {"hour": 6, "minute": 5}
